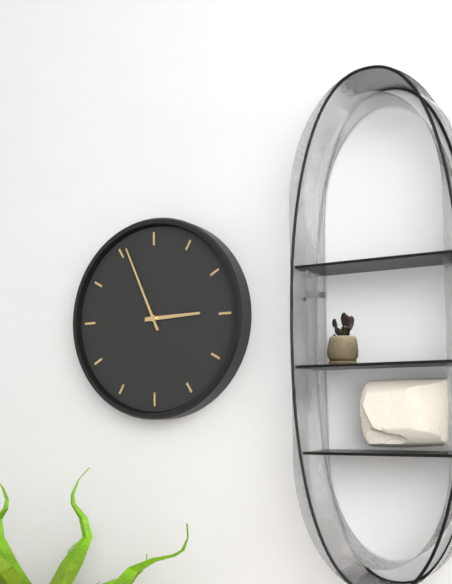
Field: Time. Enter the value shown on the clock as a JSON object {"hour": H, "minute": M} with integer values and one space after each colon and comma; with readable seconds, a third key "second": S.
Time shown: {"hour": 2, "minute": 56}
